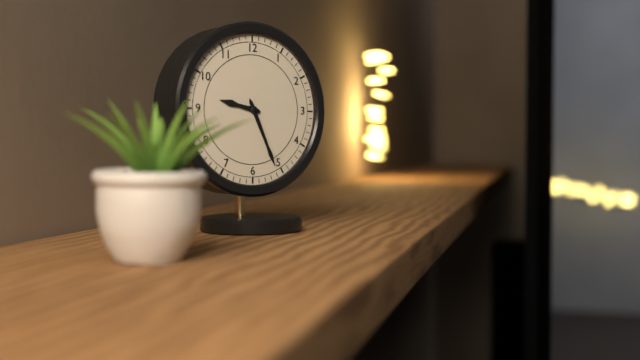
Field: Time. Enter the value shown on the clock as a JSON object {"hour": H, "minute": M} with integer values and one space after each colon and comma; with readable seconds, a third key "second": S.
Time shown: {"hour": 9, "minute": 26}
